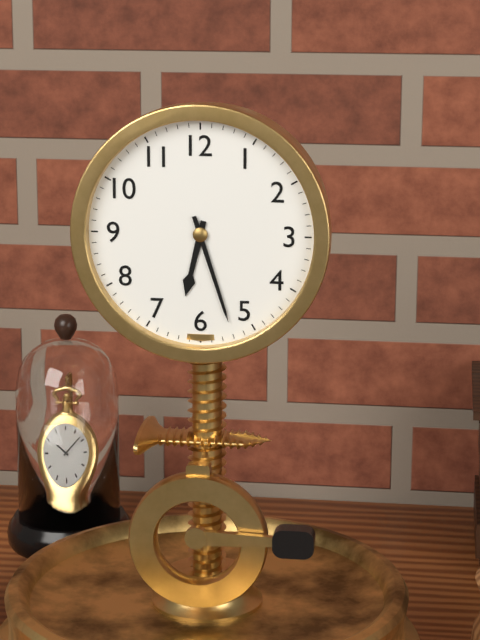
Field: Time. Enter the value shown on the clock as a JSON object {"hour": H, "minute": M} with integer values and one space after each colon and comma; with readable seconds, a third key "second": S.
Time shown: {"hour": 6, "minute": 27}
